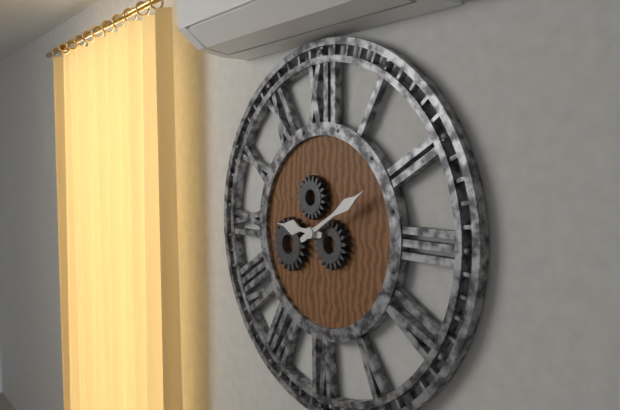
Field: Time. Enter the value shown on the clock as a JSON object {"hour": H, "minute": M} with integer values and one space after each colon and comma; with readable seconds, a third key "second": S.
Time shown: {"hour": 9, "minute": 10}
